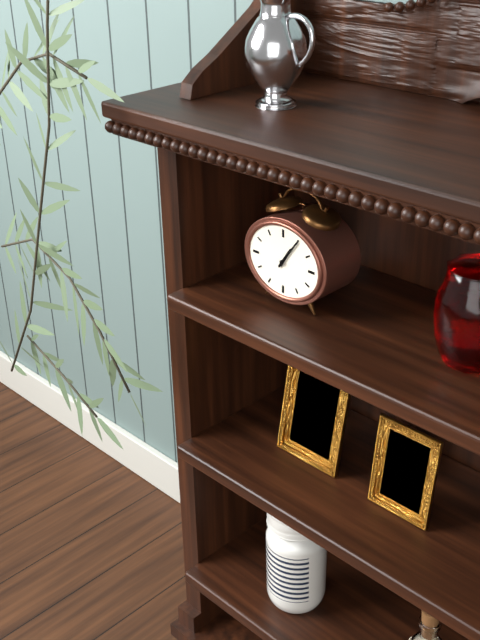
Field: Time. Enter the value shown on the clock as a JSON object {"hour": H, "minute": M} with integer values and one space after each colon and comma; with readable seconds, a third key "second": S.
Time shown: {"hour": 1, "minute": 6}
